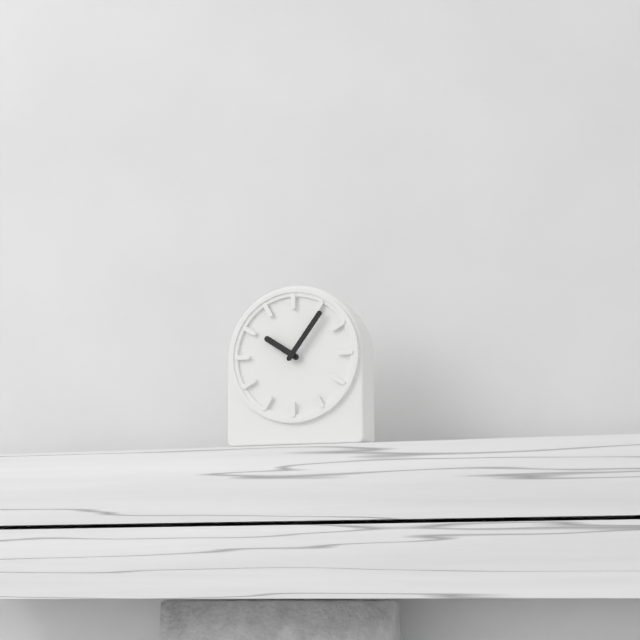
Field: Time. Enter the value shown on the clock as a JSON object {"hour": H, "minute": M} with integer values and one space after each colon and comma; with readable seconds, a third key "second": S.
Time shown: {"hour": 10, "minute": 6}
